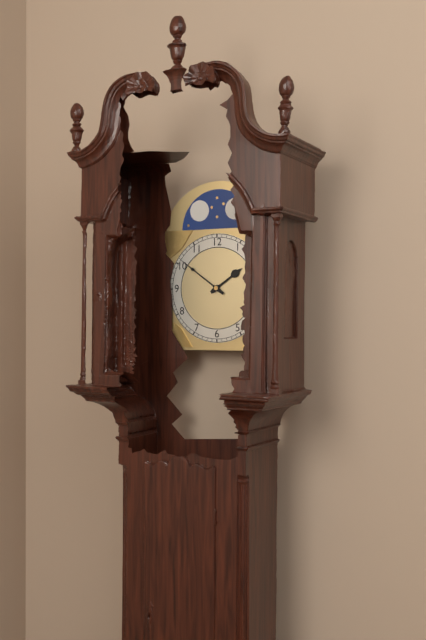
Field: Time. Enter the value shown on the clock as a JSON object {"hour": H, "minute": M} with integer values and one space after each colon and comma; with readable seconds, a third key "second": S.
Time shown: {"hour": 1, "minute": 51}
